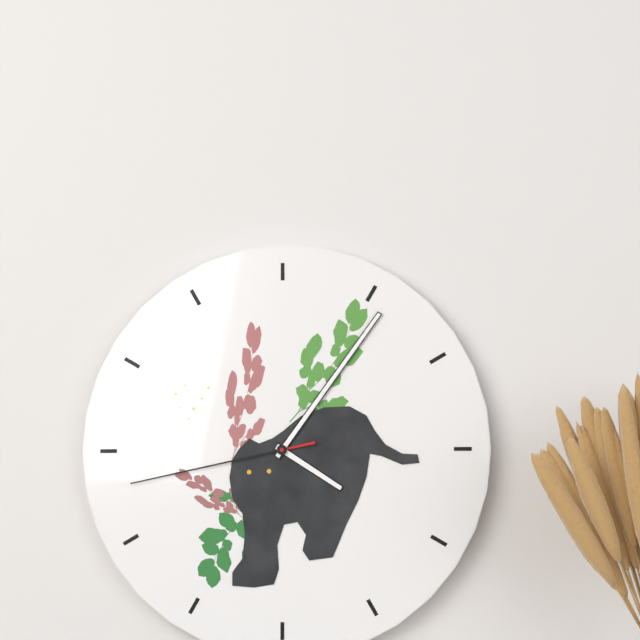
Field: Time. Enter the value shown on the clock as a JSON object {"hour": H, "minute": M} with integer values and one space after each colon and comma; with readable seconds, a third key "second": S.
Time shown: {"hour": 4, "minute": 6, "second": 43}
